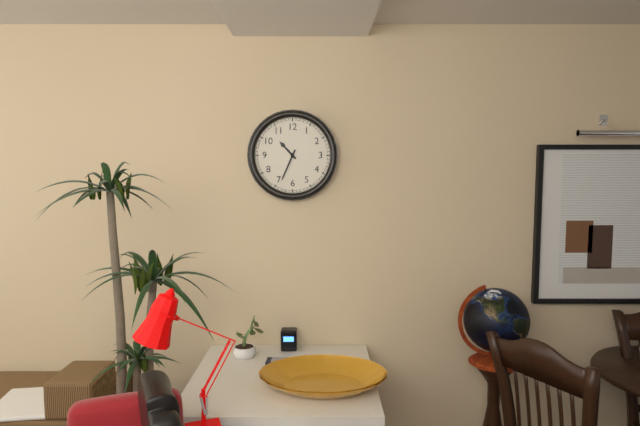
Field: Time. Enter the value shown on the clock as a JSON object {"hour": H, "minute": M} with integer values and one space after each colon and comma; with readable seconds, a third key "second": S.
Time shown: {"hour": 10, "minute": 34}
